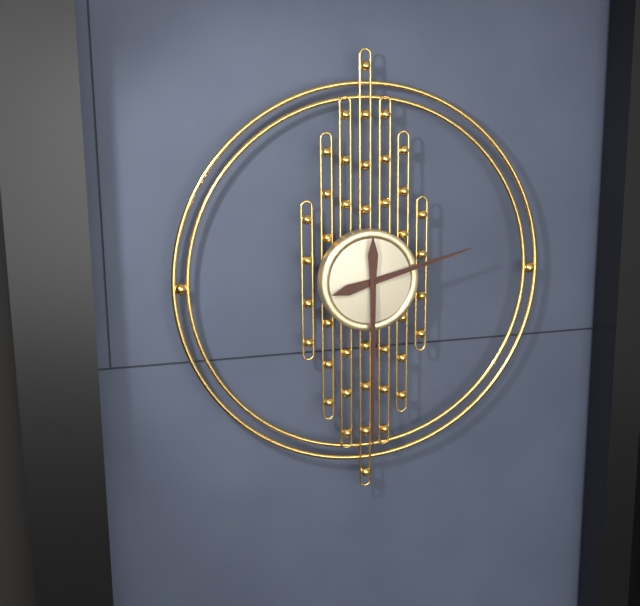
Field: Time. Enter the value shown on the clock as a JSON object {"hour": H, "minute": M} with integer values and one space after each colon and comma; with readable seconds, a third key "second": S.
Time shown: {"hour": 2, "minute": 30}
